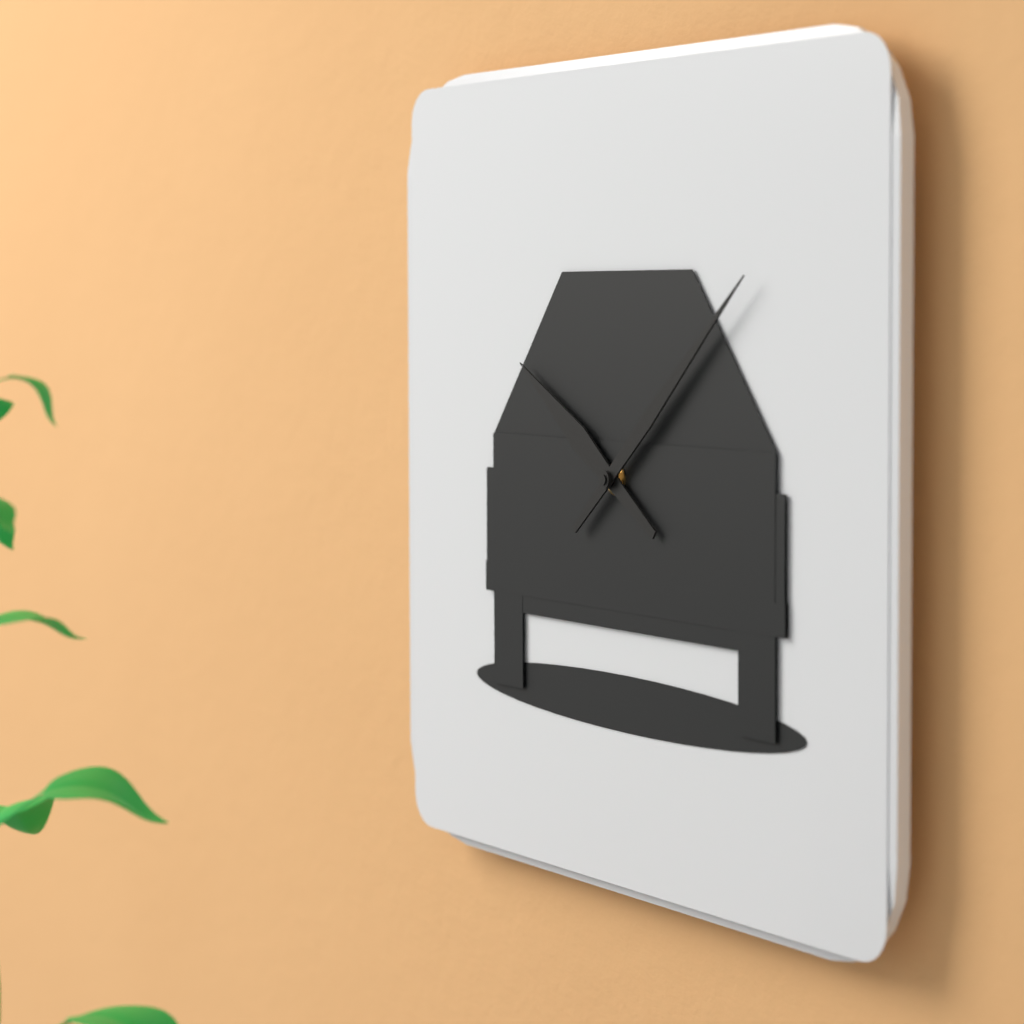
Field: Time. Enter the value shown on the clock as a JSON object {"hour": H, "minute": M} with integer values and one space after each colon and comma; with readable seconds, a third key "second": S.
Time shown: {"hour": 10, "minute": 8}
